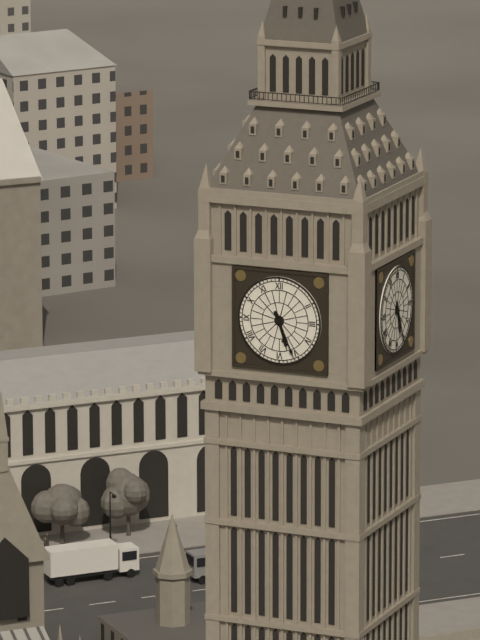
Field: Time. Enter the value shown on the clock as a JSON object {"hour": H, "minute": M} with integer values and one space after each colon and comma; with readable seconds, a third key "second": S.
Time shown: {"hour": 5, "minute": 26}
